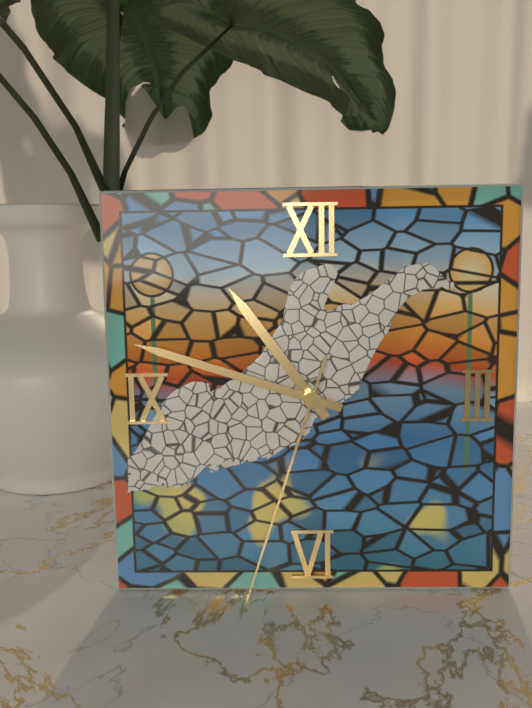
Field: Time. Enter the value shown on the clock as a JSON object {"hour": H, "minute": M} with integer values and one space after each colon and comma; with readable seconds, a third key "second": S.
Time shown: {"hour": 10, "minute": 48, "second": 33}
